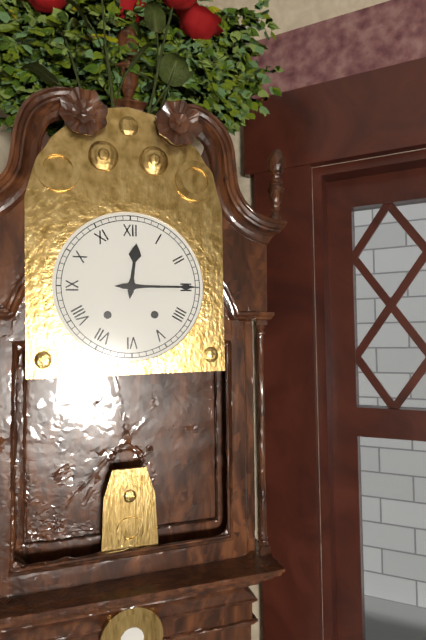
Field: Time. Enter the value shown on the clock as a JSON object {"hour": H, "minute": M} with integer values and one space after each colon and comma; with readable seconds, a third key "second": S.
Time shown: {"hour": 12, "minute": 15}
